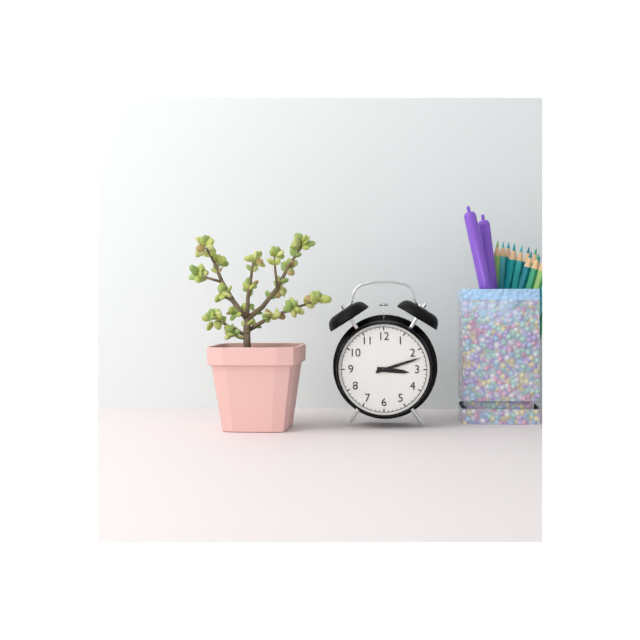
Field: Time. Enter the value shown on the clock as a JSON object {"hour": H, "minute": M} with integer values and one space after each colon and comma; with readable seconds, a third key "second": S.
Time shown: {"hour": 3, "minute": 12}
